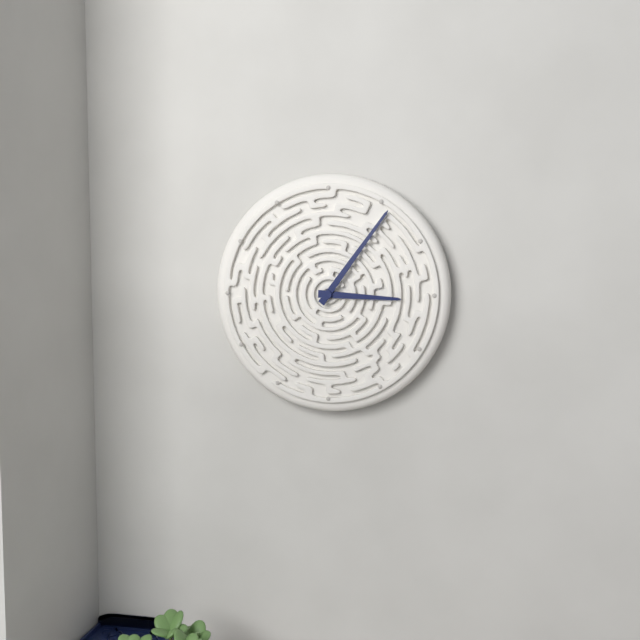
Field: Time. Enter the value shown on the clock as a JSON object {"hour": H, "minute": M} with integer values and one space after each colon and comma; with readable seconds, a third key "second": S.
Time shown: {"hour": 3, "minute": 6}
